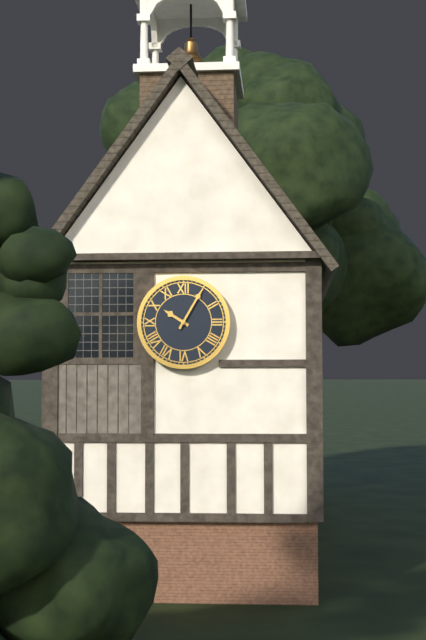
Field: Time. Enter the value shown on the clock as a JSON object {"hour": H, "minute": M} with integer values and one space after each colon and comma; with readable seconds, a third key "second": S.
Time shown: {"hour": 10, "minute": 5}
